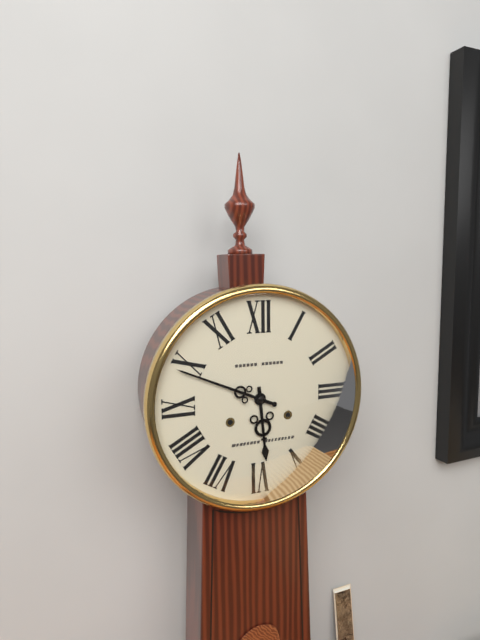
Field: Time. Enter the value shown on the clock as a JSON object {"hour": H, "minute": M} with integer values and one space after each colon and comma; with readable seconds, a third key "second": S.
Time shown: {"hour": 5, "minute": 49}
